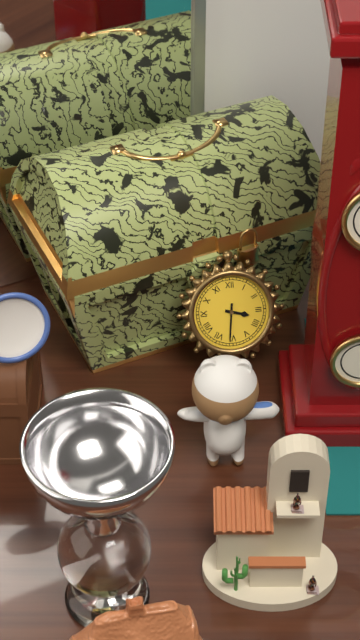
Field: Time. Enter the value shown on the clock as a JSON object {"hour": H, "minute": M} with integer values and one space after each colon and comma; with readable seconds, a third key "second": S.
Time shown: {"hour": 3, "minute": 31}
